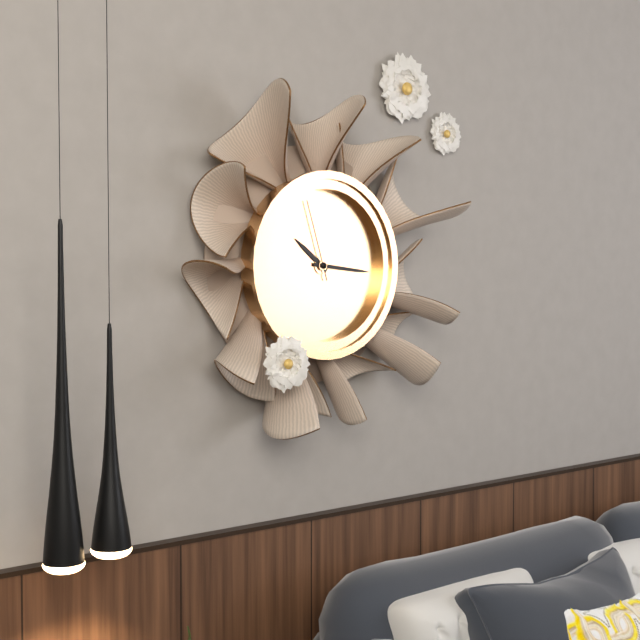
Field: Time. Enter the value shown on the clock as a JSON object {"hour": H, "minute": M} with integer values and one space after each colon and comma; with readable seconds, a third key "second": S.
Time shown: {"hour": 10, "minute": 16, "second": 57}
